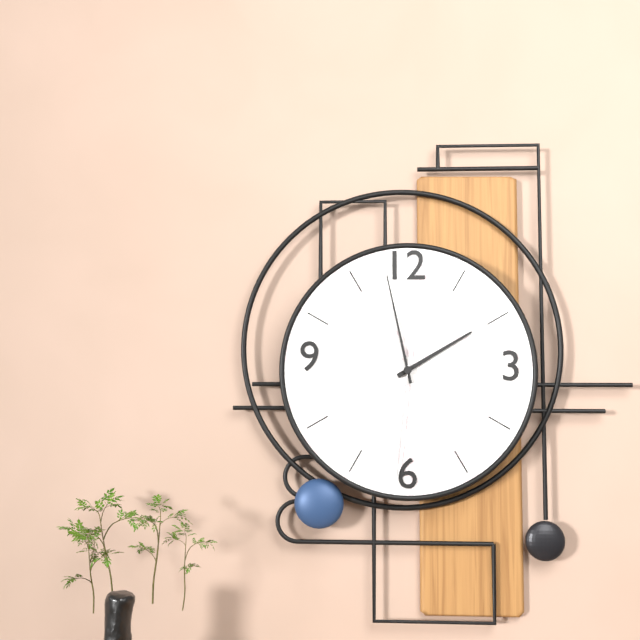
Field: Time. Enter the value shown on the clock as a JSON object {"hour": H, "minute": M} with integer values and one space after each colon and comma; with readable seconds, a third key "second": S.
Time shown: {"hour": 1, "minute": 58, "second": 31}
